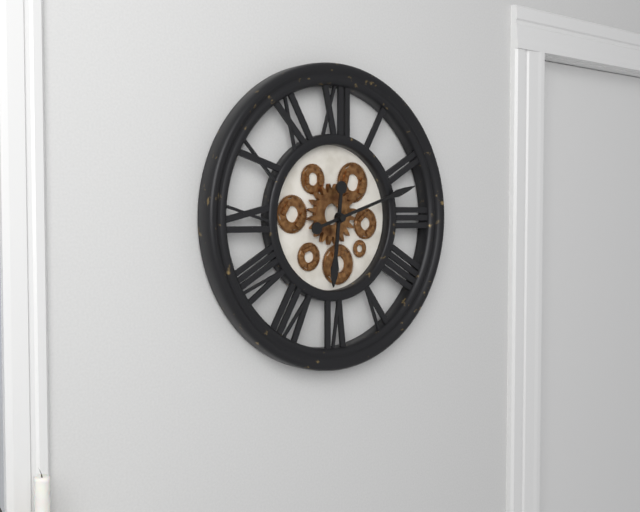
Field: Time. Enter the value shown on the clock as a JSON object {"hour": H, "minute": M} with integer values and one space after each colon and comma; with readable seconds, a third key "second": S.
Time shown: {"hour": 6, "minute": 12}
